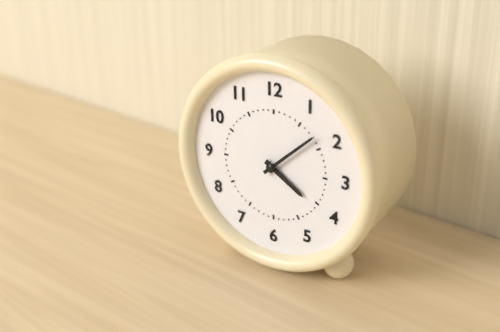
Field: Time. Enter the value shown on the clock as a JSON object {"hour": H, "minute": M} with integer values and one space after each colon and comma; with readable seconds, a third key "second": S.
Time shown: {"hour": 4, "minute": 8}
